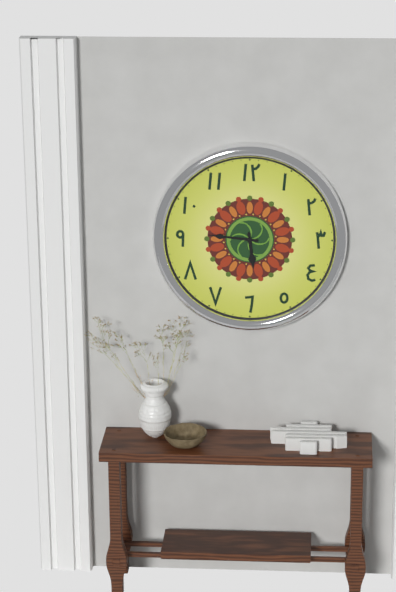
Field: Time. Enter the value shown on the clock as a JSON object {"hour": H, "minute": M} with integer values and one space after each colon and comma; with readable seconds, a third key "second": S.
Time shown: {"hour": 5, "minute": 46}
